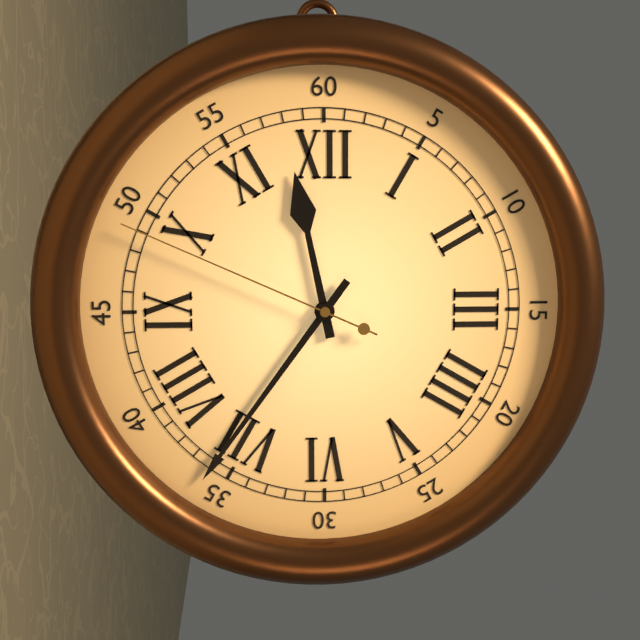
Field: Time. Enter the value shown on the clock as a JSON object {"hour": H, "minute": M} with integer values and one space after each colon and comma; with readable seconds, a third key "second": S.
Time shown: {"hour": 11, "minute": 36, "second": 49}
